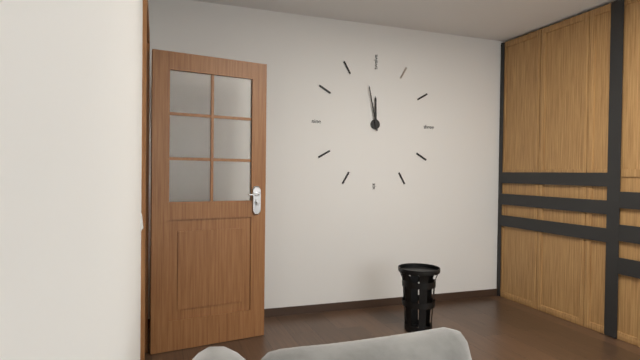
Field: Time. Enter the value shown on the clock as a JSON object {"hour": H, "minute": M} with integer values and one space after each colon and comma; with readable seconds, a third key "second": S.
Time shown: {"hour": 11, "minute": 58}
